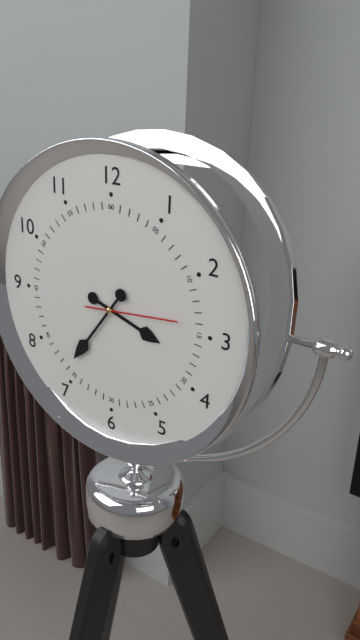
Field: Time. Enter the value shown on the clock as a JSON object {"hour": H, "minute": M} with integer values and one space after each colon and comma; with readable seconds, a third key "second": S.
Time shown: {"hour": 3, "minute": 36, "second": 14}
